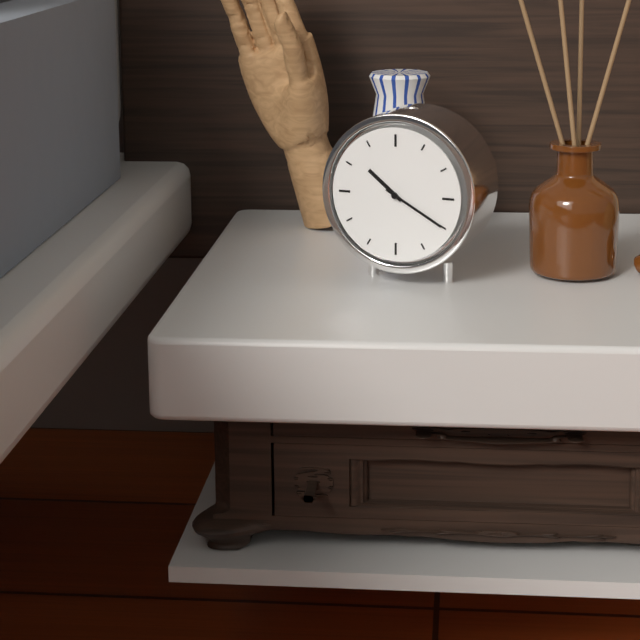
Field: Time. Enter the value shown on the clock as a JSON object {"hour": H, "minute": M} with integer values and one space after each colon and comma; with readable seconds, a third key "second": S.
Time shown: {"hour": 10, "minute": 20}
